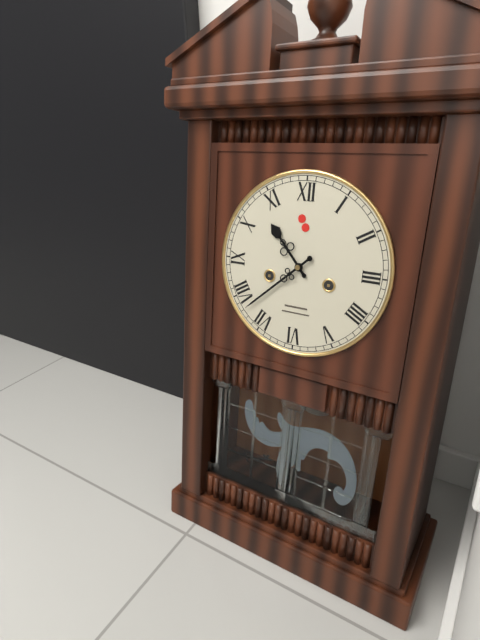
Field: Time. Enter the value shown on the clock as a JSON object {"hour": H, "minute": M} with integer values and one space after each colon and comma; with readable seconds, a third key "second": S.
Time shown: {"hour": 10, "minute": 38}
